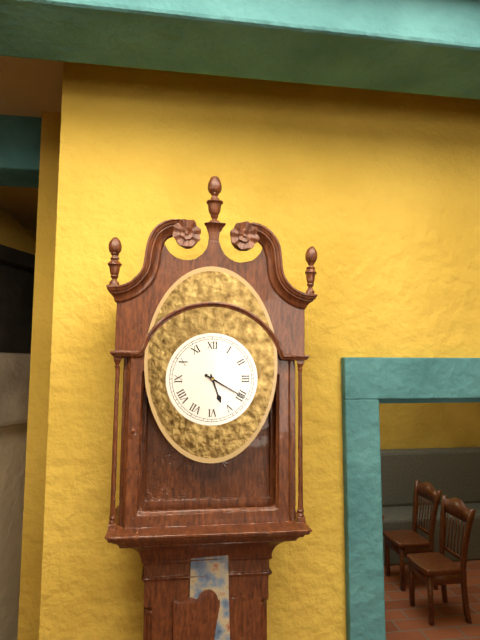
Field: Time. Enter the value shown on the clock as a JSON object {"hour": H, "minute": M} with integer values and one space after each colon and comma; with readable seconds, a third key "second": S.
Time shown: {"hour": 5, "minute": 20}
